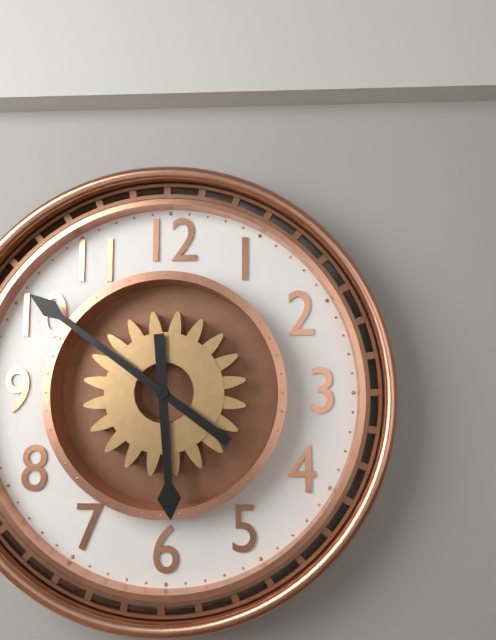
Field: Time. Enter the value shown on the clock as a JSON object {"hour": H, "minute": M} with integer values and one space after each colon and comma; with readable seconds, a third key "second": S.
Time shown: {"hour": 5, "minute": 51}
